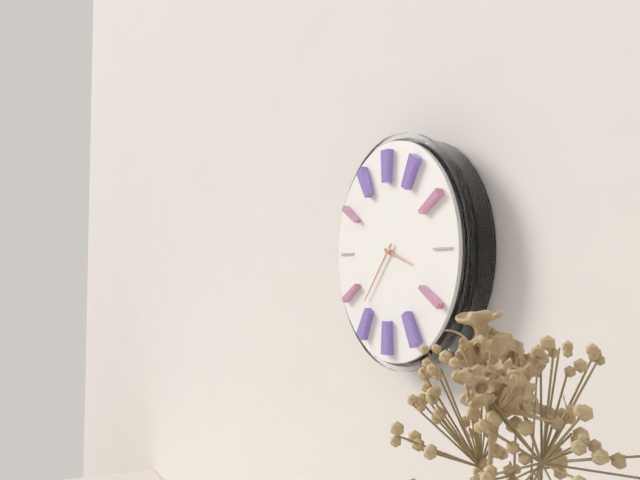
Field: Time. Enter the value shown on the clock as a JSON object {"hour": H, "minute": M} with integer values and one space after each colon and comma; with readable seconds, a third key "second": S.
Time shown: {"hour": 3, "minute": 37}
